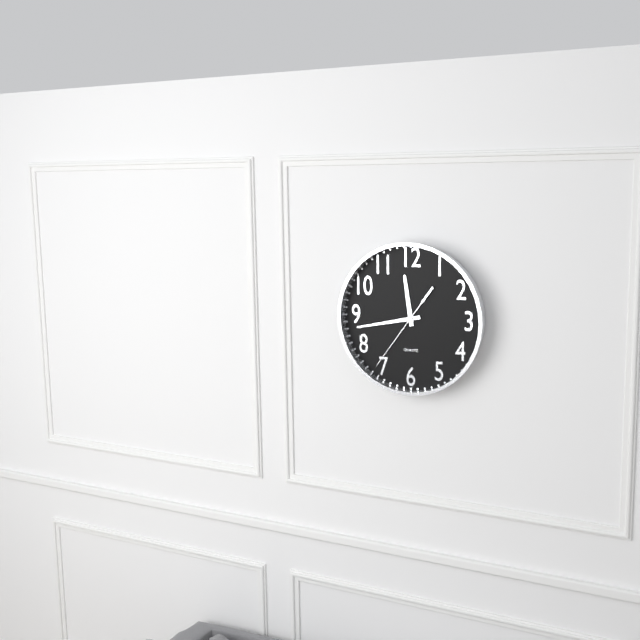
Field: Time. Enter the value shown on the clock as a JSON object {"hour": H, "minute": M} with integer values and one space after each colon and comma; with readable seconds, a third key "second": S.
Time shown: {"hour": 11, "minute": 43, "second": 36}
